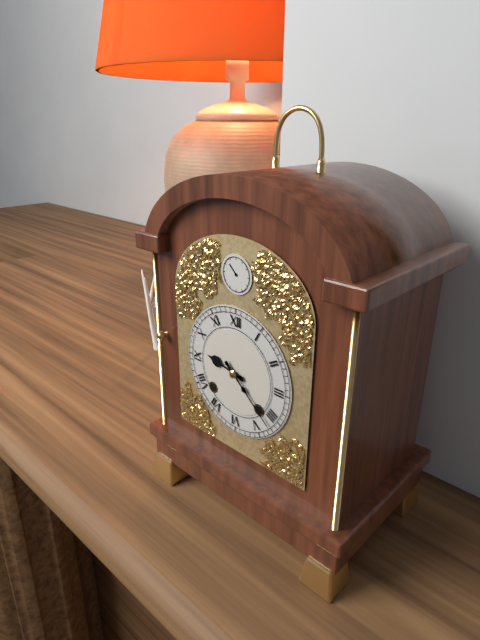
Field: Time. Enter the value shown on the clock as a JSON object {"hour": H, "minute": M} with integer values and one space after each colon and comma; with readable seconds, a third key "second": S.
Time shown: {"hour": 9, "minute": 22}
